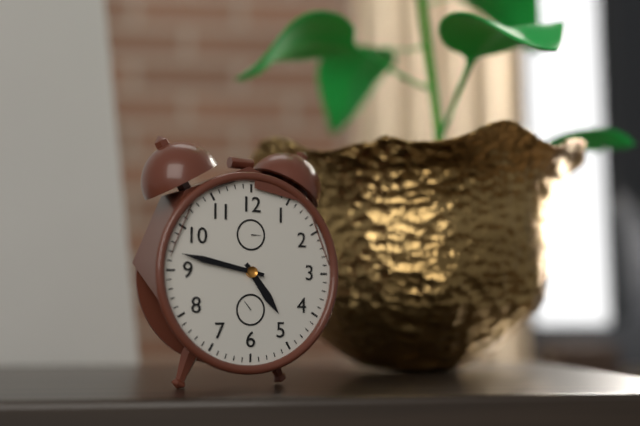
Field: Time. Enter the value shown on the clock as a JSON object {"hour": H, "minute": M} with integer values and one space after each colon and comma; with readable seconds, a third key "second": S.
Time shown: {"hour": 4, "minute": 47}
